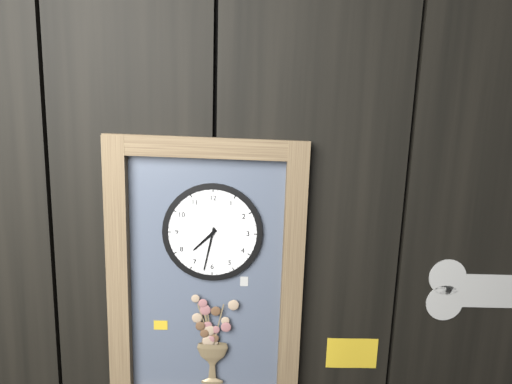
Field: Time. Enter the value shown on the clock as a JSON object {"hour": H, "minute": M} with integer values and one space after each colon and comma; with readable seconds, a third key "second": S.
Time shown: {"hour": 7, "minute": 32}
